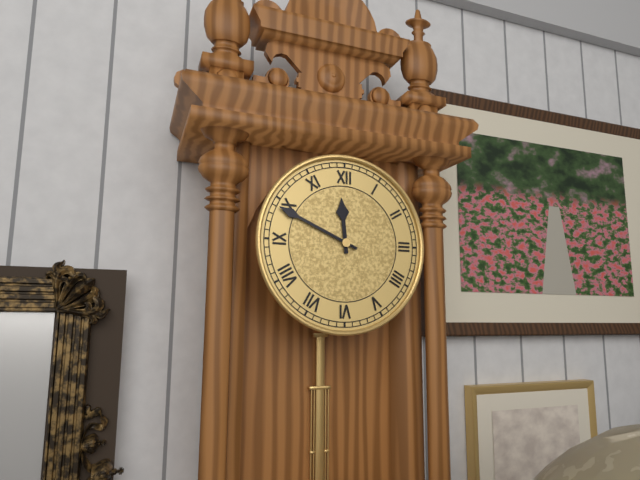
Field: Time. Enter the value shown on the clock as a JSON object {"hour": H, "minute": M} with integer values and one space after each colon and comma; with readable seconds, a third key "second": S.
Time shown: {"hour": 11, "minute": 49}
